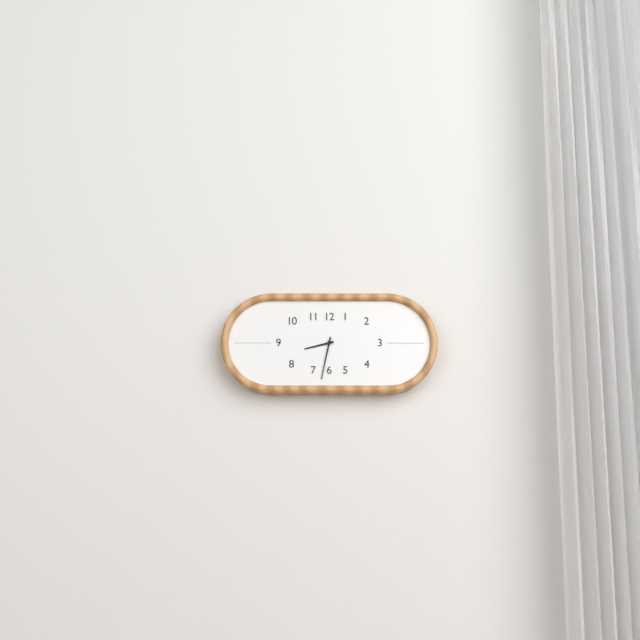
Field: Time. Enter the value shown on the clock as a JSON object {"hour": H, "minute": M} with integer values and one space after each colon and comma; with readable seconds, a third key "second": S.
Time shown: {"hour": 8, "minute": 32}
